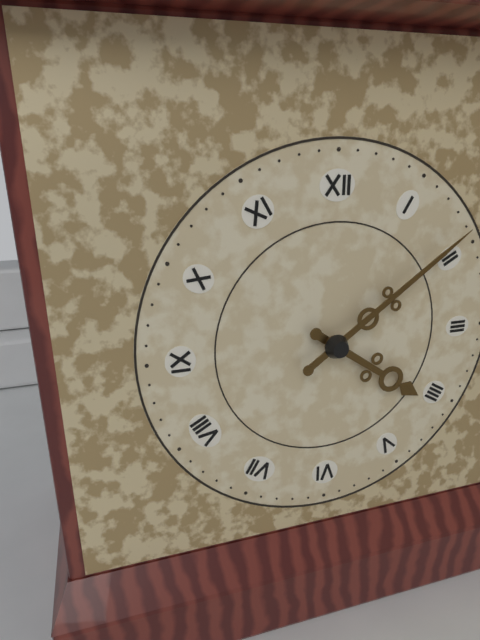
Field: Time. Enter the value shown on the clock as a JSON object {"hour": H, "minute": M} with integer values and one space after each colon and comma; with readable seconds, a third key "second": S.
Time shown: {"hour": 4, "minute": 9}
